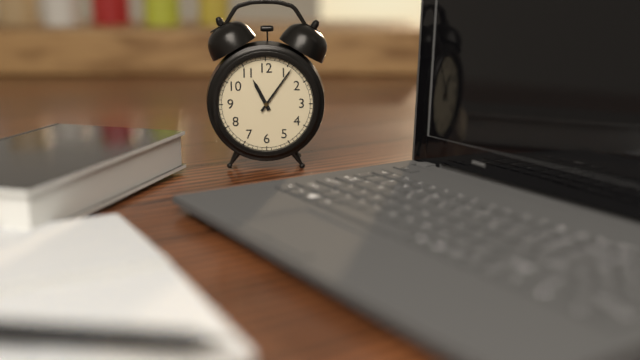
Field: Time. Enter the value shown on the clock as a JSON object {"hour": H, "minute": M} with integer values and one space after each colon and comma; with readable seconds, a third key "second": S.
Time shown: {"hour": 11, "minute": 6}
